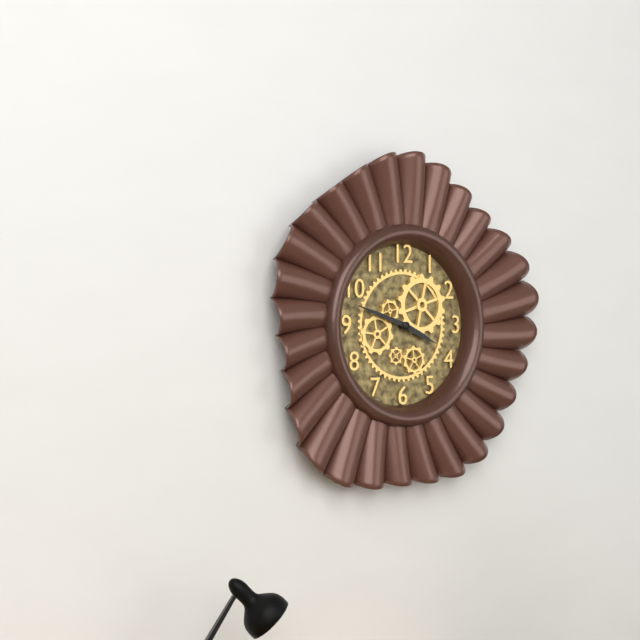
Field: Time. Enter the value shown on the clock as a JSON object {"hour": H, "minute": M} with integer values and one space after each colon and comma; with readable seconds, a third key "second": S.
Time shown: {"hour": 3, "minute": 48}
